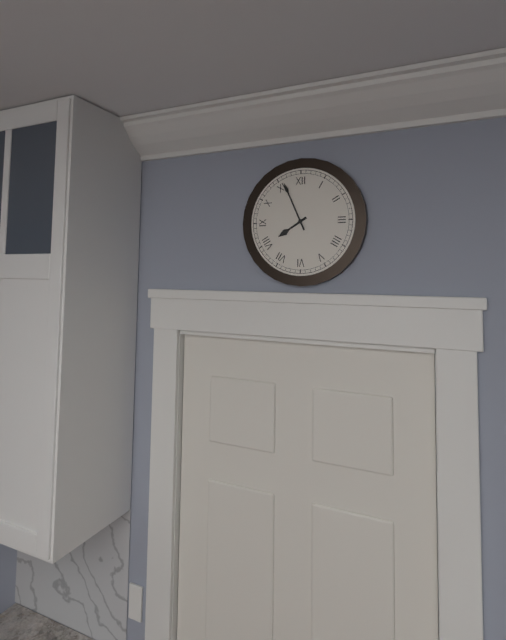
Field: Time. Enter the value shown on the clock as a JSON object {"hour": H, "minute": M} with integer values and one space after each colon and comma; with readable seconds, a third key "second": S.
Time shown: {"hour": 7, "minute": 56}
